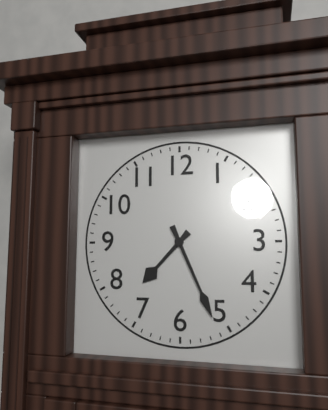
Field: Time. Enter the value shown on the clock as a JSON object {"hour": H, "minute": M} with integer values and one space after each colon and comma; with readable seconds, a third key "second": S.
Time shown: {"hour": 7, "minute": 26}
